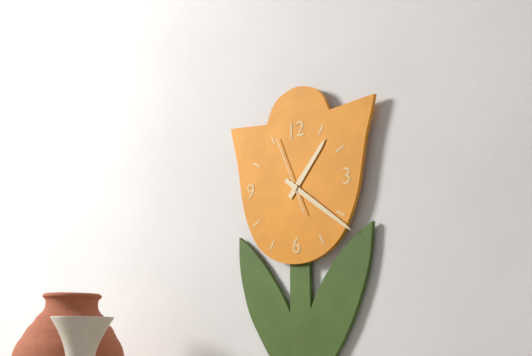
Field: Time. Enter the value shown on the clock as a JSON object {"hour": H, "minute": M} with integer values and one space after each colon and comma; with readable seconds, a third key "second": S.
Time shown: {"hour": 1, "minute": 21, "second": 56}
